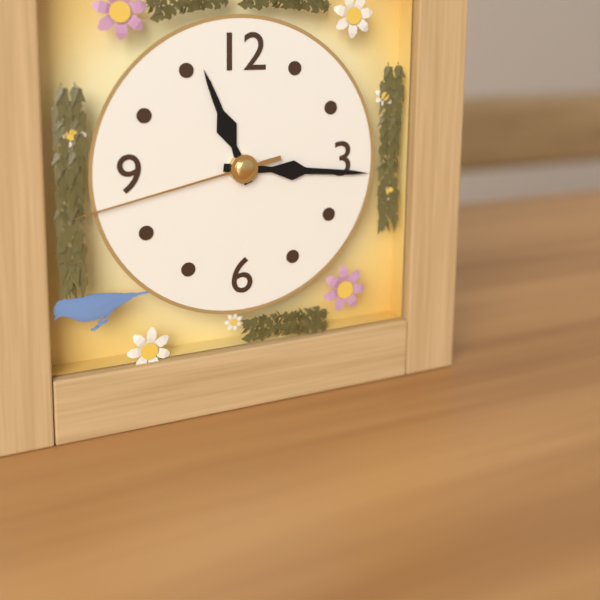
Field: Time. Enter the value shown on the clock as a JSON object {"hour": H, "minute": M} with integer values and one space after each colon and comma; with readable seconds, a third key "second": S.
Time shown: {"hour": 11, "minute": 16, "second": 43}
